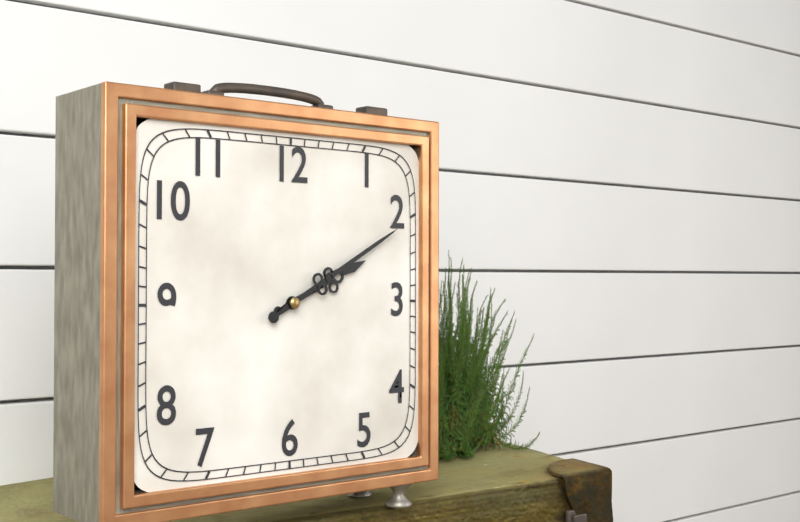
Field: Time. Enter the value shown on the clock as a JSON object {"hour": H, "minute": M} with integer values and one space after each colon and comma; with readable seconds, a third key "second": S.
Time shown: {"hour": 2, "minute": 10}
